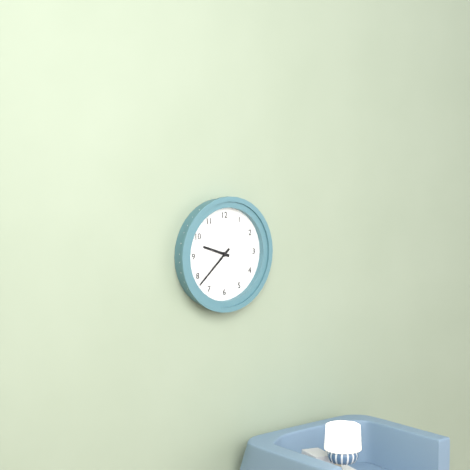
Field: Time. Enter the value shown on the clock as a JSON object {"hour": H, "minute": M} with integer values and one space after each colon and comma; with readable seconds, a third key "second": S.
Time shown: {"hour": 9, "minute": 38}
